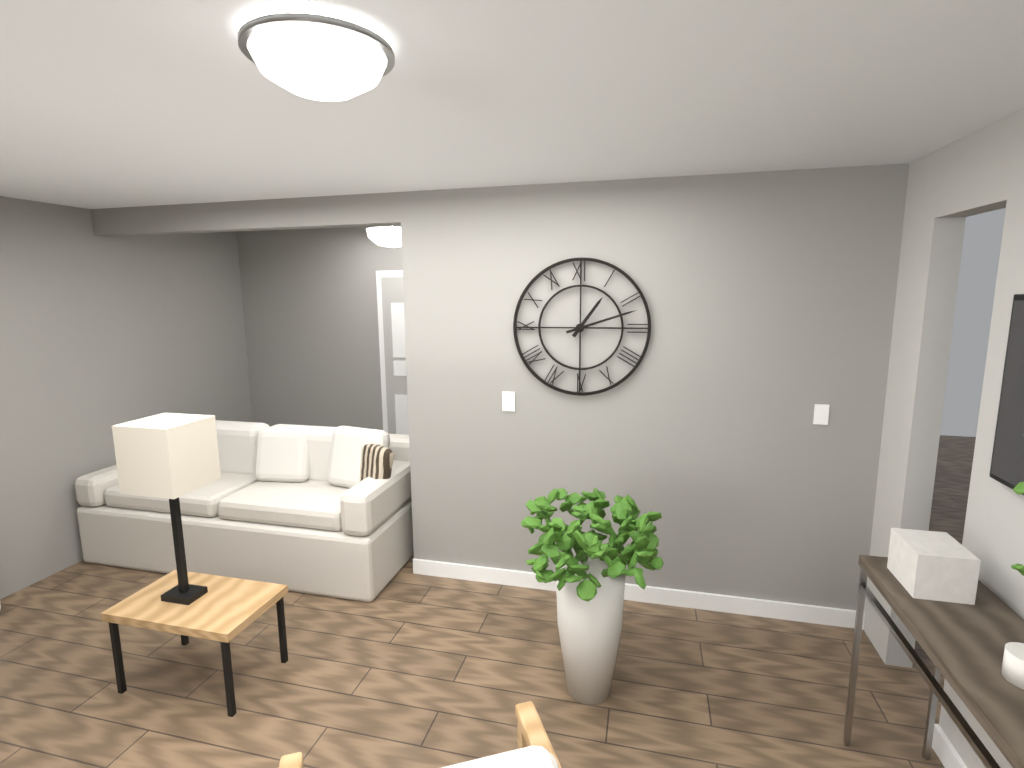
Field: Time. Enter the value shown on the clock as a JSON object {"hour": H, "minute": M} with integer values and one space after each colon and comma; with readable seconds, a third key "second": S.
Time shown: {"hour": 1, "minute": 12}
